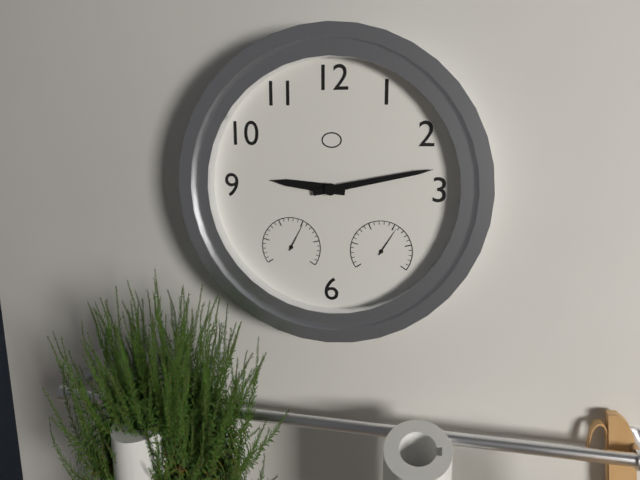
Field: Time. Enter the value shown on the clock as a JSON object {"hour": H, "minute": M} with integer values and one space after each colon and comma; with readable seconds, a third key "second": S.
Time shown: {"hour": 9, "minute": 13}
